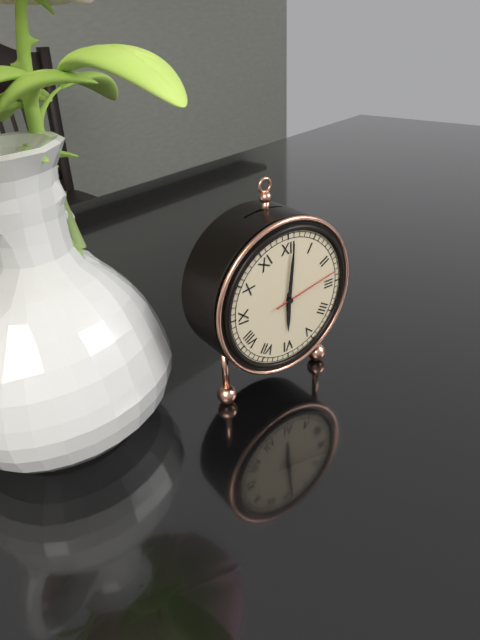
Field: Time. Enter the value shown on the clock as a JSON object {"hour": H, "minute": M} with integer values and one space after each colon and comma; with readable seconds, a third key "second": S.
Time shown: {"hour": 6, "minute": 1, "second": 13}
